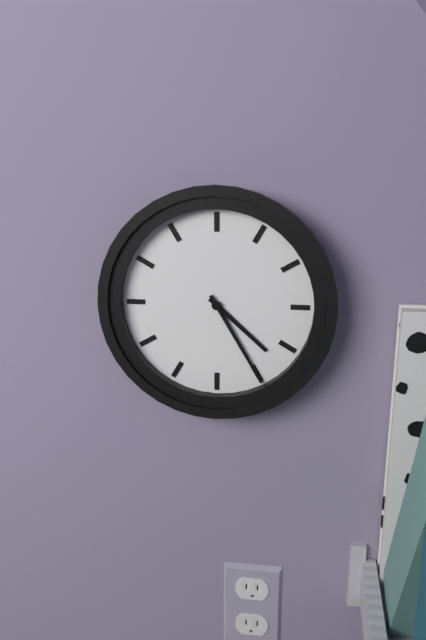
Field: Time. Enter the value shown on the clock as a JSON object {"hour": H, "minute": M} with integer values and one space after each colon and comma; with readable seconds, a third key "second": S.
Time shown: {"hour": 4, "minute": 25}
